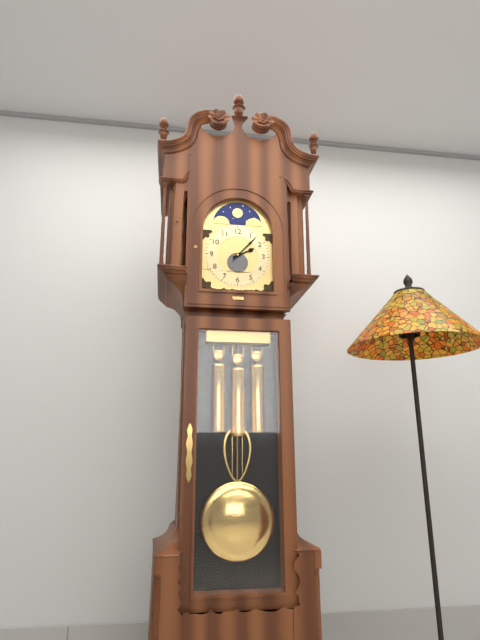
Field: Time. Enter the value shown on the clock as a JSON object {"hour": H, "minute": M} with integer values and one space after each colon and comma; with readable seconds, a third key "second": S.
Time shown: {"hour": 2, "minute": 7}
